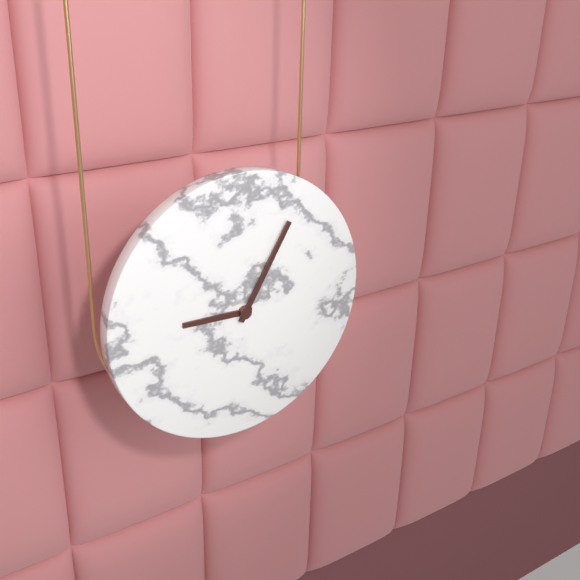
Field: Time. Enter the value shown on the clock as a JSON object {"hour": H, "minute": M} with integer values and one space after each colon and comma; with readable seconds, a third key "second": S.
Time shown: {"hour": 9, "minute": 5}
